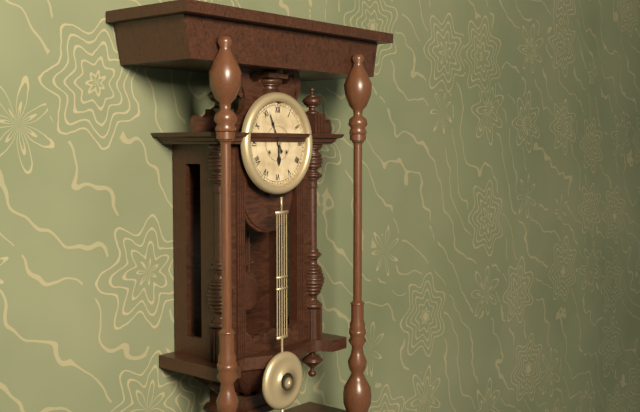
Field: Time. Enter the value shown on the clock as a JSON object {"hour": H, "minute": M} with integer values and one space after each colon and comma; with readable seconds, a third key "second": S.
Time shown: {"hour": 5, "minute": 56}
